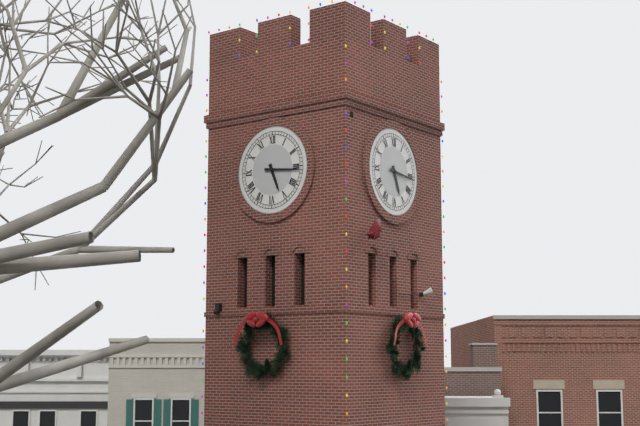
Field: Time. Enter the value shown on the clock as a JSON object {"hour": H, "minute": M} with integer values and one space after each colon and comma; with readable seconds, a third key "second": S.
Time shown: {"hour": 5, "minute": 16}
